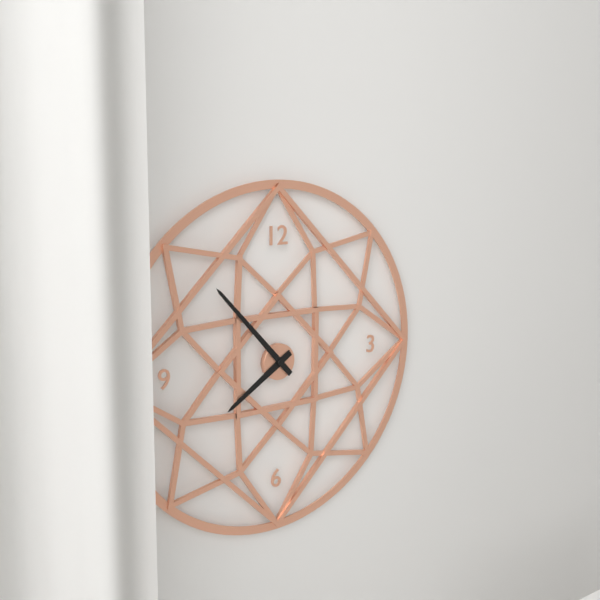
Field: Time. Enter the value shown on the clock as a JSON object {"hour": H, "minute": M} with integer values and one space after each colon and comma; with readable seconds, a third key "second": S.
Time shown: {"hour": 7, "minute": 53}
